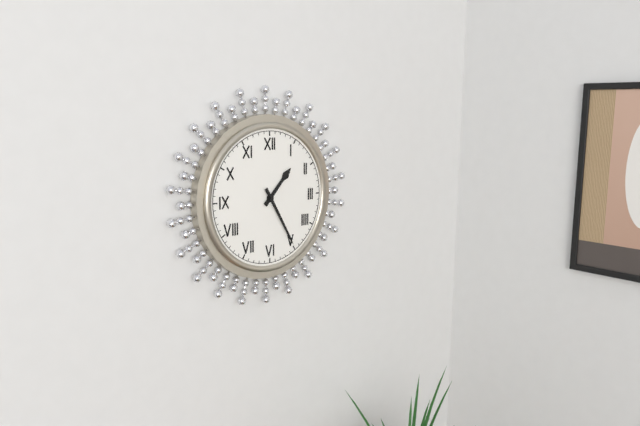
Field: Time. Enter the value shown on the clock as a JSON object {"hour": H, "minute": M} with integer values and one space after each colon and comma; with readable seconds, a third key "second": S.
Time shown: {"hour": 1, "minute": 25}
